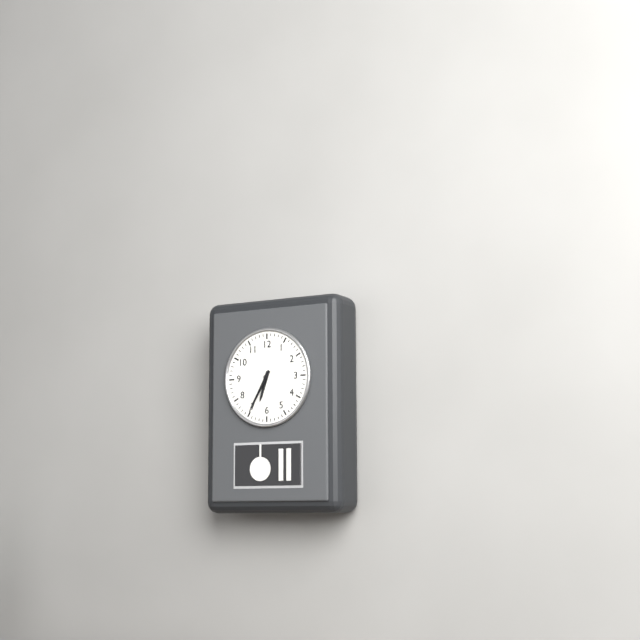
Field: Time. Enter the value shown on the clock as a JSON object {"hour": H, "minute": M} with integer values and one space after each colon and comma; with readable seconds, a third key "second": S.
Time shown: {"hour": 6, "minute": 35}
